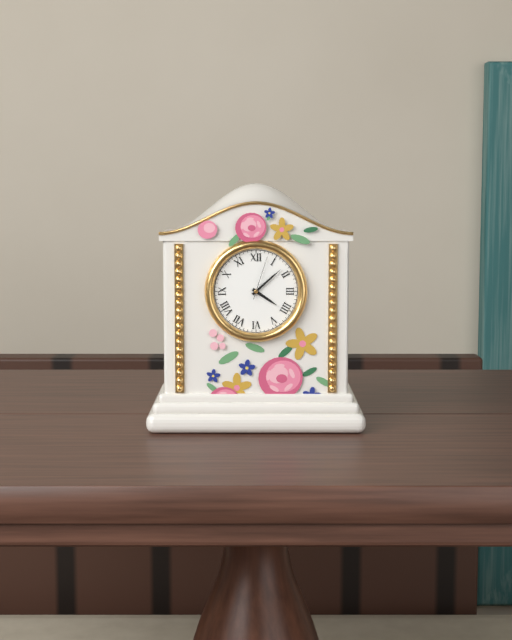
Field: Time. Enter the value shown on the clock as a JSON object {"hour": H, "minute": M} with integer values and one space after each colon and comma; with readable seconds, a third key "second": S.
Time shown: {"hour": 4, "minute": 8}
